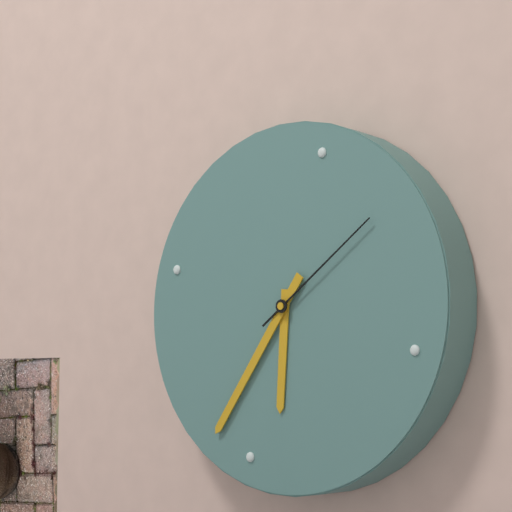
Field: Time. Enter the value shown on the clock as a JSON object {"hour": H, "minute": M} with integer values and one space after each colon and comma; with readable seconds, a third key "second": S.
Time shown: {"hour": 5, "minute": 33, "second": 6}
